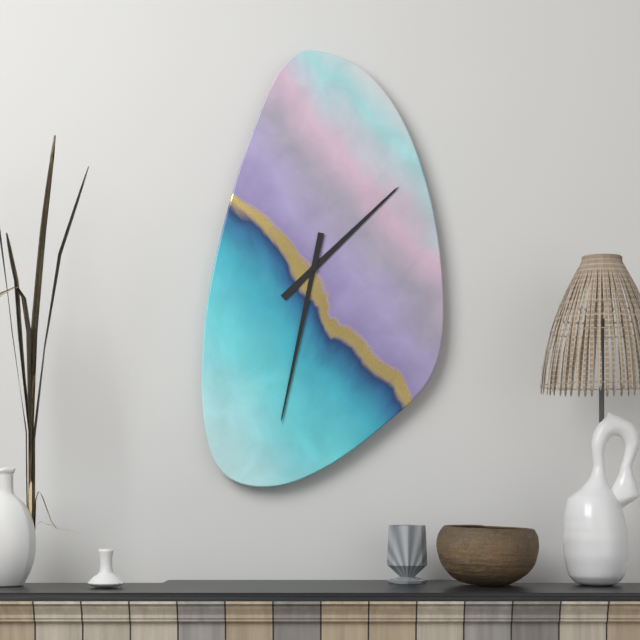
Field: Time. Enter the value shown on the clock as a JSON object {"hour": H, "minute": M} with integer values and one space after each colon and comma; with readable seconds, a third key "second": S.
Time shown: {"hour": 1, "minute": 32}
